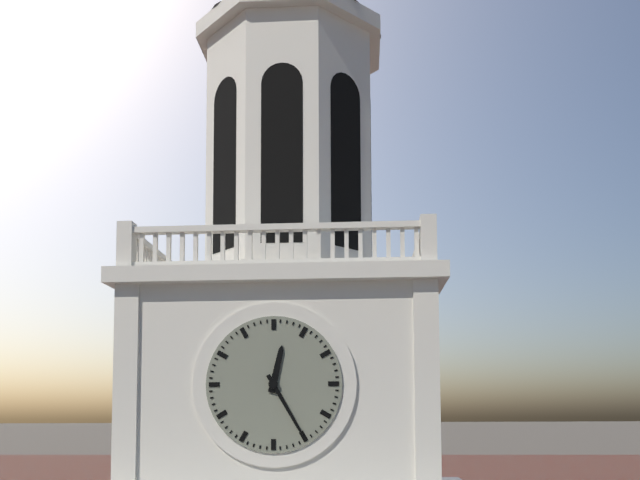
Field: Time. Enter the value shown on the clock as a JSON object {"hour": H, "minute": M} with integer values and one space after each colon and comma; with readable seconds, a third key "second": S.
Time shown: {"hour": 12, "minute": 25}
